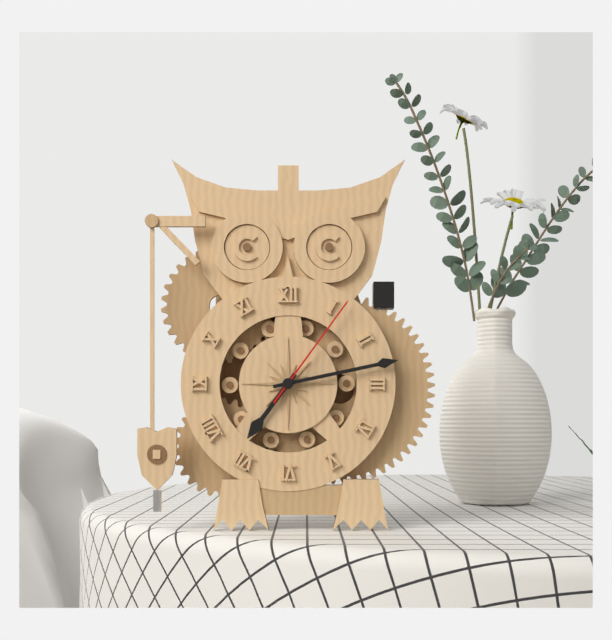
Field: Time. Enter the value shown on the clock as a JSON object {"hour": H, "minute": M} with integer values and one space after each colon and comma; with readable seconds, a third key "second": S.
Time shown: {"hour": 7, "minute": 13, "second": 6}
